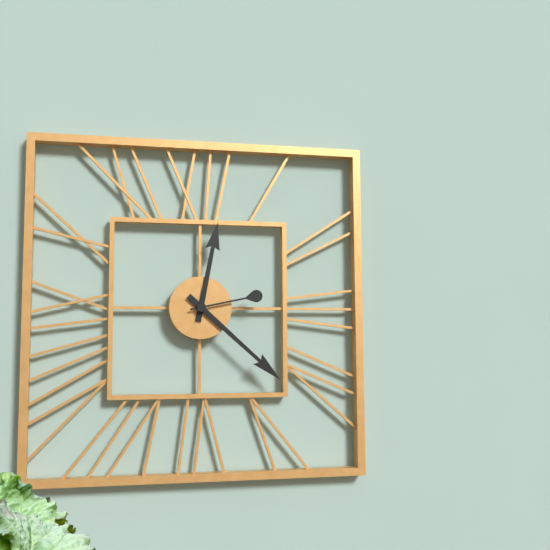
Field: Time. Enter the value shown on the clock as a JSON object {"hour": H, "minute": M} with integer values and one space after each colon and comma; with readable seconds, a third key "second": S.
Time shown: {"hour": 12, "minute": 22, "second": 13}
